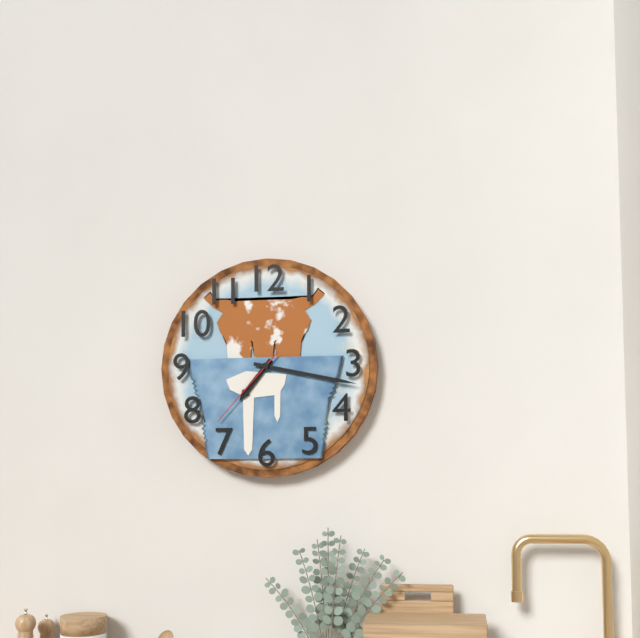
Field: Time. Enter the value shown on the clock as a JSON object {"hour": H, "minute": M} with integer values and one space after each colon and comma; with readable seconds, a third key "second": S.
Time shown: {"hour": 7, "minute": 17, "second": 37}
